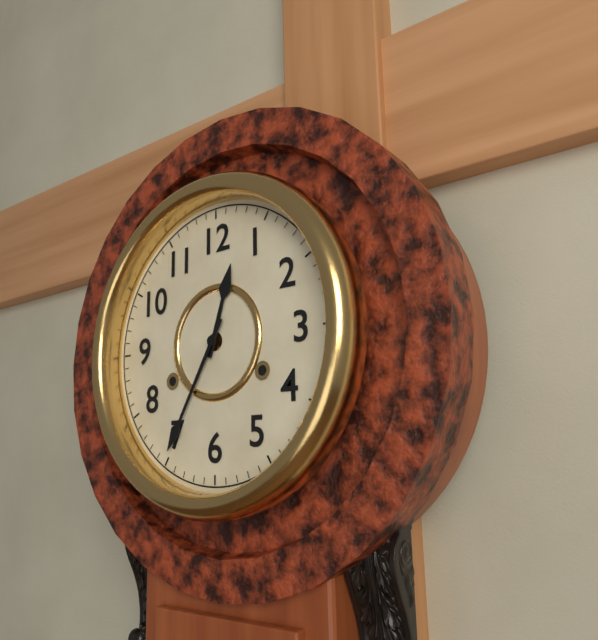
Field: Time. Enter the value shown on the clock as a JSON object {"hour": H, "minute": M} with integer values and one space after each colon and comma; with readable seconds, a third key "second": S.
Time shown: {"hour": 12, "minute": 35}
